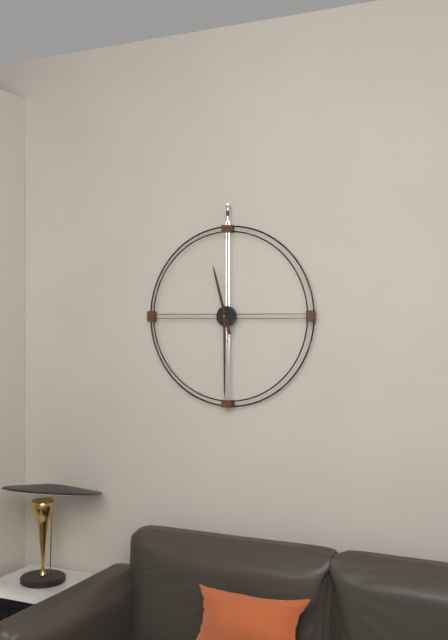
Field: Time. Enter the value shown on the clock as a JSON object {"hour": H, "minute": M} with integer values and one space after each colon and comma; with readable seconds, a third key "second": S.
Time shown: {"hour": 11, "minute": 30}
